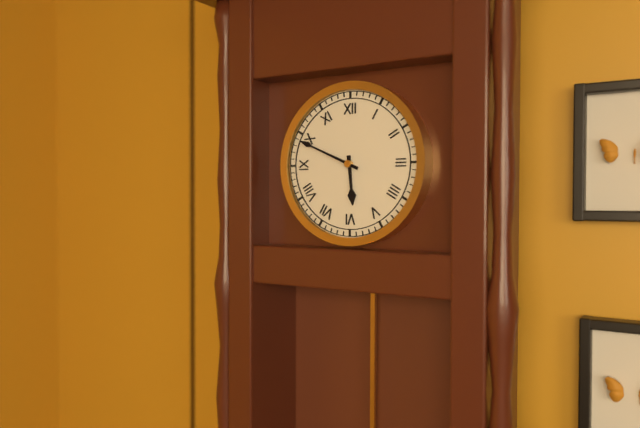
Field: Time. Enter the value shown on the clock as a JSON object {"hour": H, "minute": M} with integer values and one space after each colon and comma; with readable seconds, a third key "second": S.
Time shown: {"hour": 5, "minute": 49}
